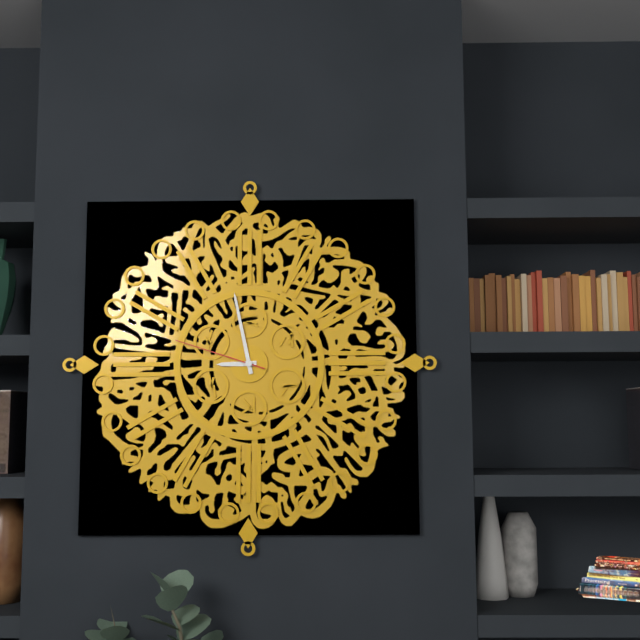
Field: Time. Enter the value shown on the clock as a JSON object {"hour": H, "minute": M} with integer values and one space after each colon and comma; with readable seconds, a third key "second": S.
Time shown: {"hour": 8, "minute": 58, "second": 48}
